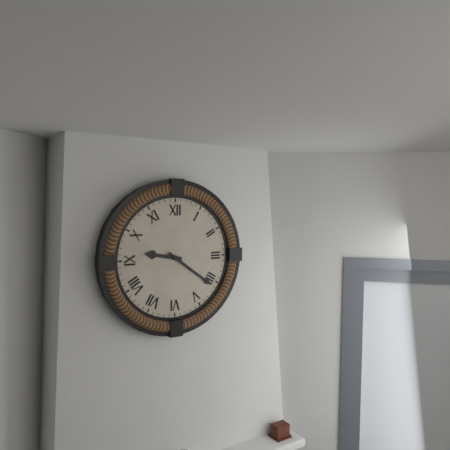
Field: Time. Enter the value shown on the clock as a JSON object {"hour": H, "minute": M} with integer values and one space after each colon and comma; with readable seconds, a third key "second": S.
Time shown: {"hour": 9, "minute": 21}
